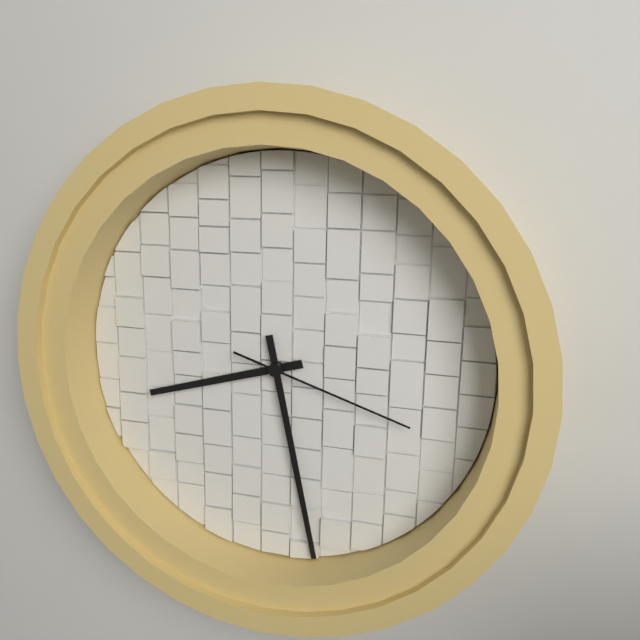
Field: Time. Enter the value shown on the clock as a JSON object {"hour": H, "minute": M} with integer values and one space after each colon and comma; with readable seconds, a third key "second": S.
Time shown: {"hour": 8, "minute": 28, "second": 18}
